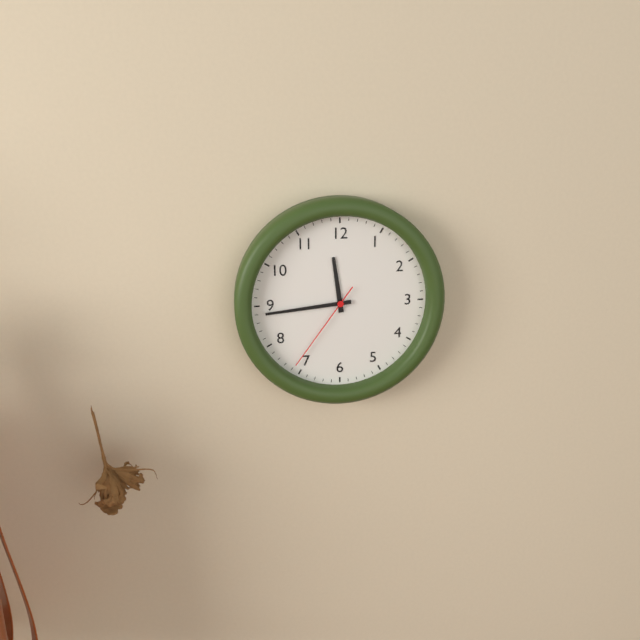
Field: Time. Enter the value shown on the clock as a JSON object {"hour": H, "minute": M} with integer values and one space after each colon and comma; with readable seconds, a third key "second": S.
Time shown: {"hour": 11, "minute": 44, "second": 36}
